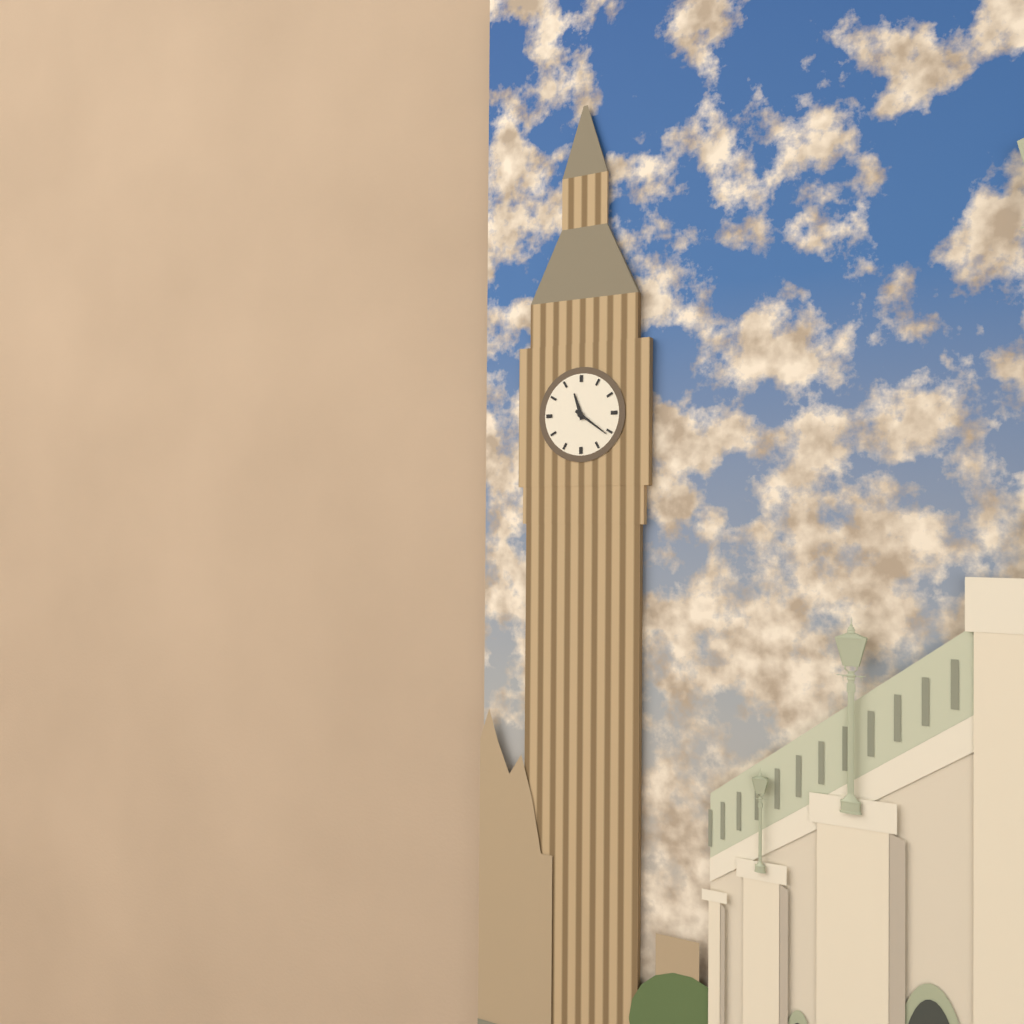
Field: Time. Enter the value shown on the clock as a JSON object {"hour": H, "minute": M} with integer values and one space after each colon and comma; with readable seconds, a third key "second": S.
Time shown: {"hour": 11, "minute": 21}
